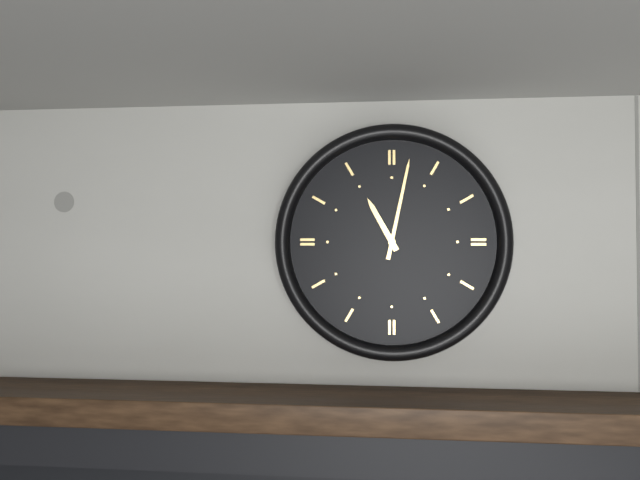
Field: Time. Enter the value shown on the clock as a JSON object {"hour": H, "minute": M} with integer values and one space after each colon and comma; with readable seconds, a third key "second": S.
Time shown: {"hour": 11, "minute": 2}
